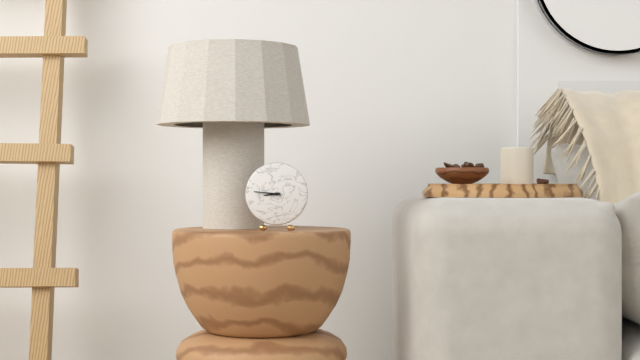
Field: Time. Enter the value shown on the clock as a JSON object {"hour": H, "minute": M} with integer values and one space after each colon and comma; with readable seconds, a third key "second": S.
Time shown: {"hour": 8, "minute": 46}
